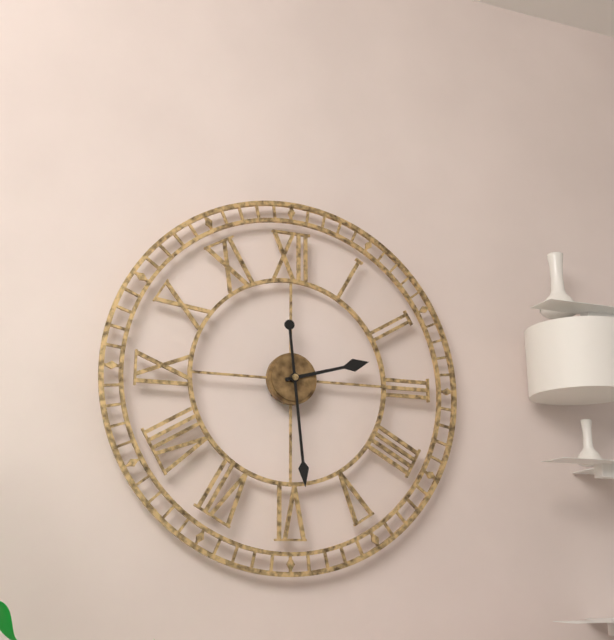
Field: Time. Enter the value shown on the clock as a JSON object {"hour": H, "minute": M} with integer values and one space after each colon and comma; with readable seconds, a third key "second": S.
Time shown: {"hour": 2, "minute": 29}
